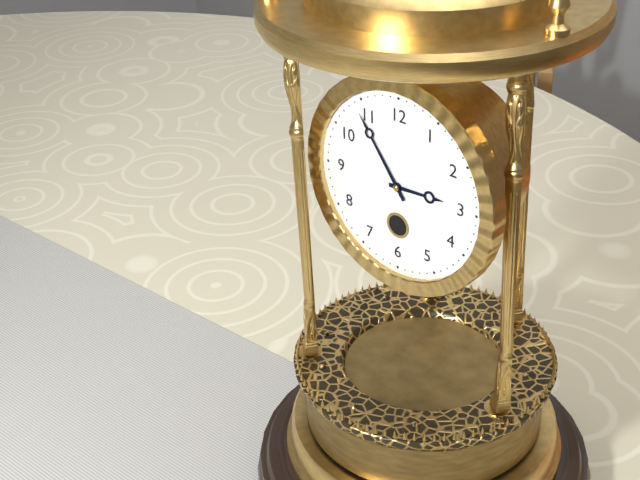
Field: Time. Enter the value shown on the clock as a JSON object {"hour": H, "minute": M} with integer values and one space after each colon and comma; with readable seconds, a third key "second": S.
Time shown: {"hour": 2, "minute": 54}
